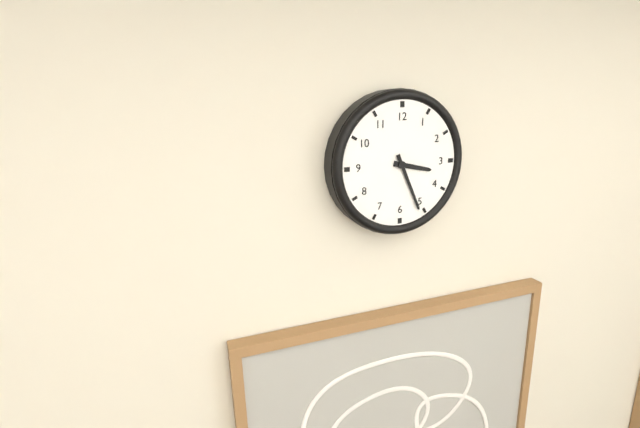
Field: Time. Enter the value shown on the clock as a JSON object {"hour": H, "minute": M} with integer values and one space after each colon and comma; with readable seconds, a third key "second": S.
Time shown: {"hour": 3, "minute": 26}
